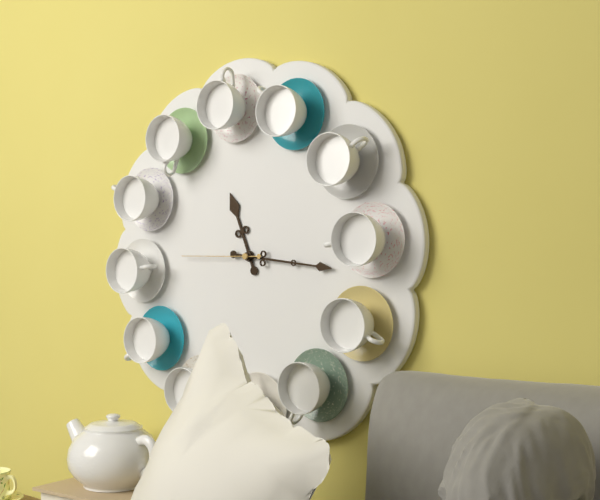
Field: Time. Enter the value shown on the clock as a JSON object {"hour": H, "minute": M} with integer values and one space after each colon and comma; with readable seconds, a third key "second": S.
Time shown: {"hour": 11, "minute": 16, "second": 45}
